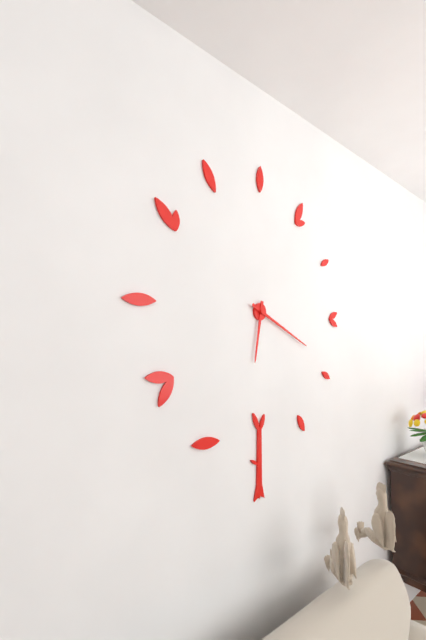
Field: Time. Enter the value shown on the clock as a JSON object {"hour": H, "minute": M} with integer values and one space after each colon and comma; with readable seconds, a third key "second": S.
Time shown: {"hour": 6, "minute": 19}
